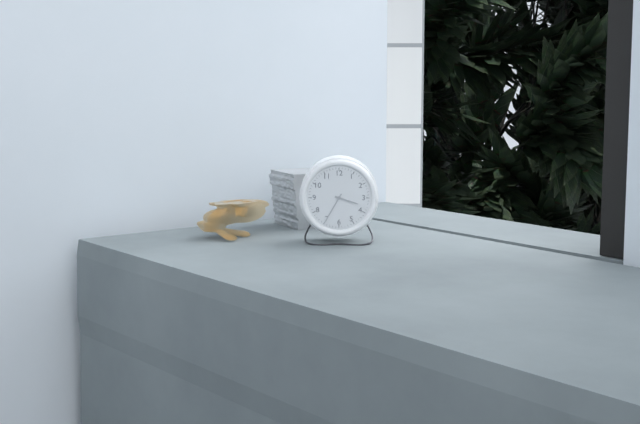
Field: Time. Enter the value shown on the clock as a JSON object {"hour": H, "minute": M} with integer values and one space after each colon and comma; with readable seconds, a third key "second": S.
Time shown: {"hour": 3, "minute": 35}
